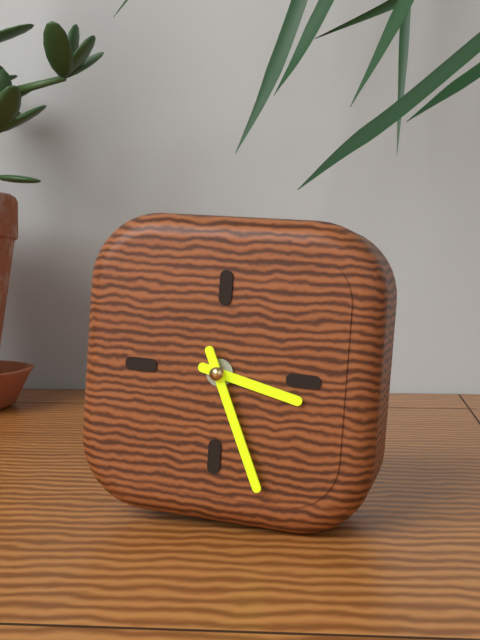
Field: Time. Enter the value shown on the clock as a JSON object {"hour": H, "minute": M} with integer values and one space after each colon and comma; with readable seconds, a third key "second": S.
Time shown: {"hour": 3, "minute": 26}
